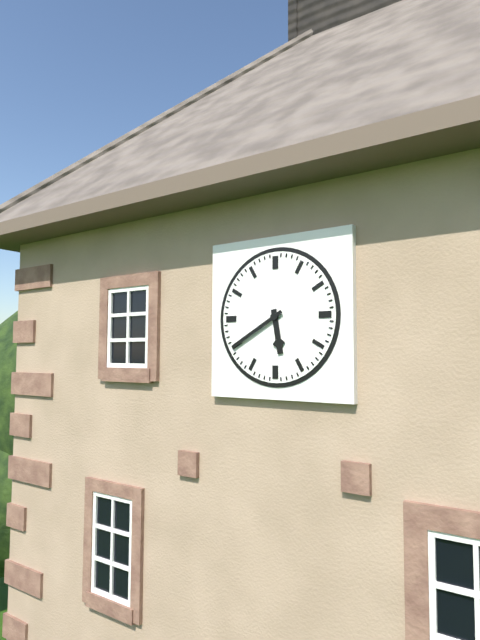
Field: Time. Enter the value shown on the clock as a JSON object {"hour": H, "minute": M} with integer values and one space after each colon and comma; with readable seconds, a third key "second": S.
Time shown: {"hour": 5, "minute": 40}
